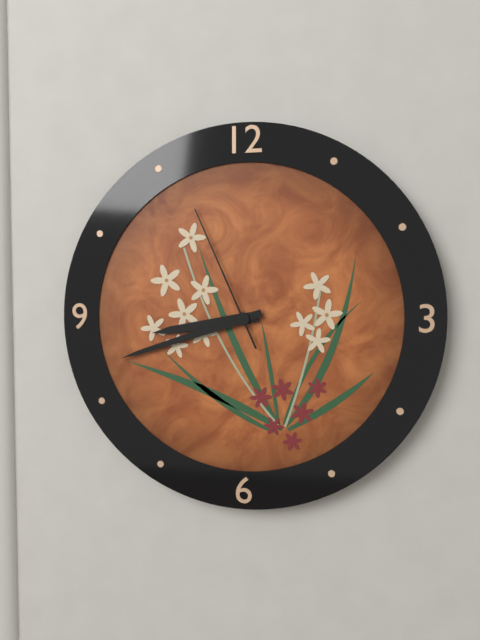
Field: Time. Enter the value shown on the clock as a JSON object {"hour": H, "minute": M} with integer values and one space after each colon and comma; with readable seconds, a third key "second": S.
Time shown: {"hour": 8, "minute": 42, "second": 56}
